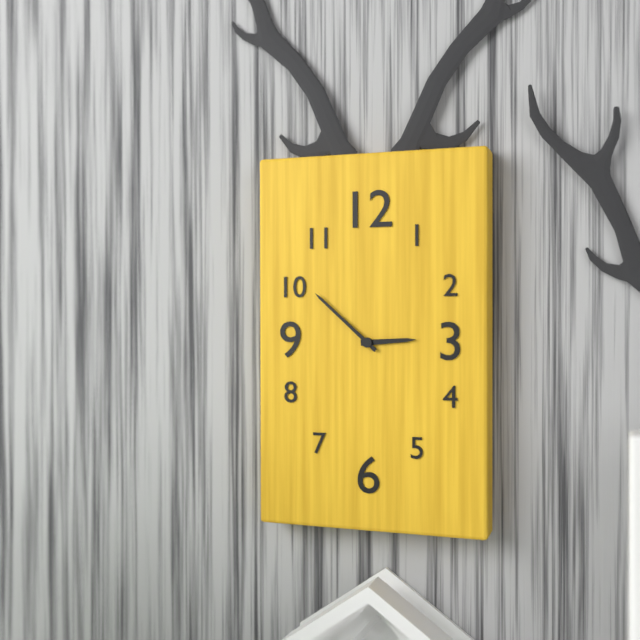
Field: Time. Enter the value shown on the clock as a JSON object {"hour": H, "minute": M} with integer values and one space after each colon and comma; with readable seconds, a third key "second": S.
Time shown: {"hour": 2, "minute": 52}
